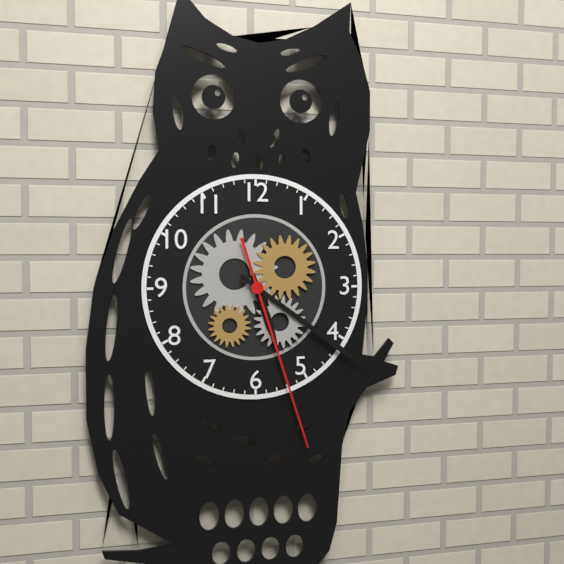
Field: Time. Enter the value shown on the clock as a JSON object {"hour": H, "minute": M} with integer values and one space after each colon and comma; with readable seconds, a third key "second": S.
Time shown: {"hour": 5, "minute": 21, "second": 27}
